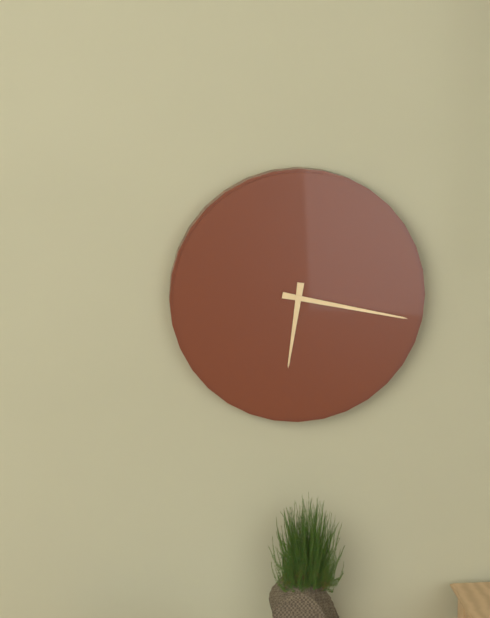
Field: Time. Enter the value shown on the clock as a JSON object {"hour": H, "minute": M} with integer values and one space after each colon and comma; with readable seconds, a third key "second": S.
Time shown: {"hour": 6, "minute": 17}
